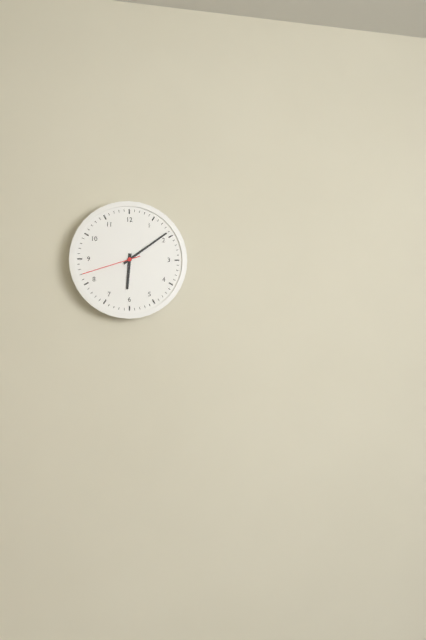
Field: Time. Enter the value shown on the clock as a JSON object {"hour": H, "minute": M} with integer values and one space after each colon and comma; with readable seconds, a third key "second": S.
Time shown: {"hour": 6, "minute": 9, "second": 42}
